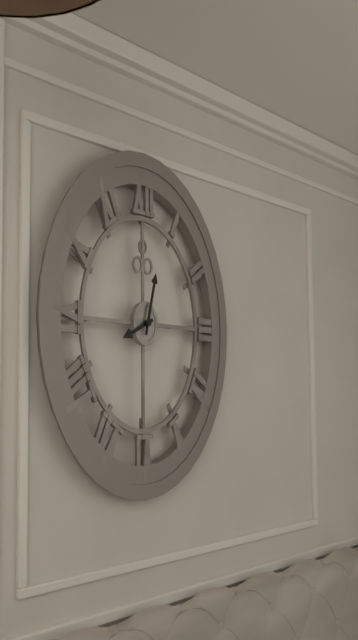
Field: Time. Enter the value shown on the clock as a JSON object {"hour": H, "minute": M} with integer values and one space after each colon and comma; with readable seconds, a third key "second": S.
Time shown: {"hour": 8, "minute": 2}
